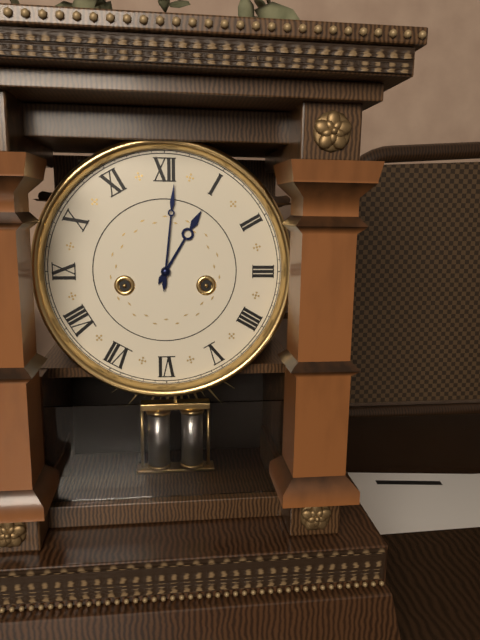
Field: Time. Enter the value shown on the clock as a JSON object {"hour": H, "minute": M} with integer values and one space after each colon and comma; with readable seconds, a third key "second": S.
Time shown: {"hour": 1, "minute": 1}
